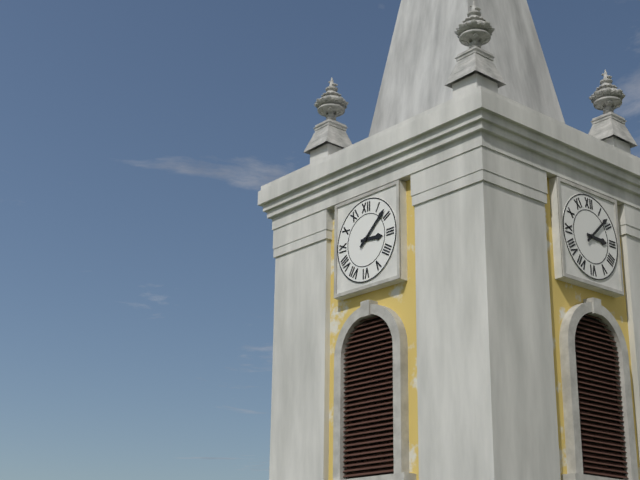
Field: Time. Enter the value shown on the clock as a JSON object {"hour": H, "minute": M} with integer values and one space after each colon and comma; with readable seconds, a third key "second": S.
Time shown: {"hour": 3, "minute": 8}
